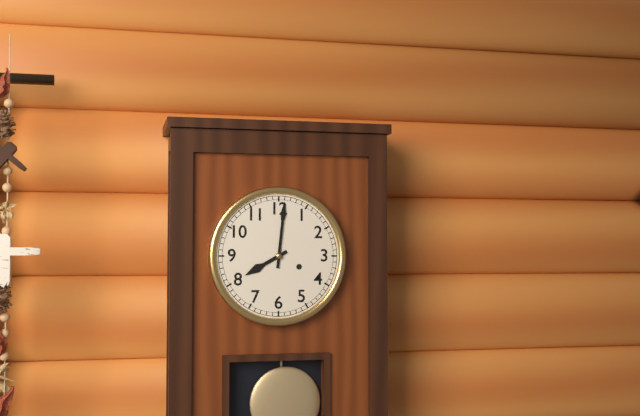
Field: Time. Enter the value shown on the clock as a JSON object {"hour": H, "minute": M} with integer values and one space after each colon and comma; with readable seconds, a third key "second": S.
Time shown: {"hour": 8, "minute": 1}
